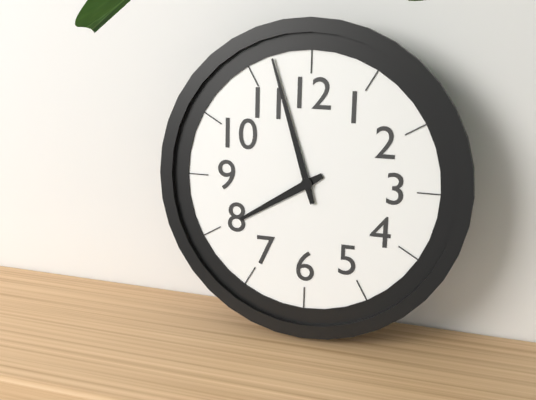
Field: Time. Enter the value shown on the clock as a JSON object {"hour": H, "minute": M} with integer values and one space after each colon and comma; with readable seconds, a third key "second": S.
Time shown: {"hour": 7, "minute": 57}
